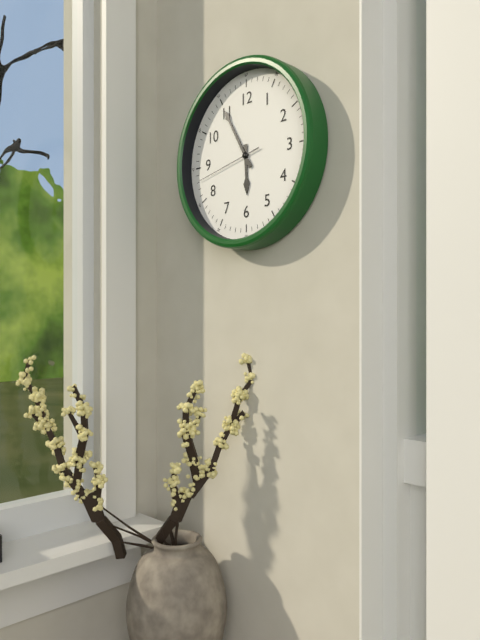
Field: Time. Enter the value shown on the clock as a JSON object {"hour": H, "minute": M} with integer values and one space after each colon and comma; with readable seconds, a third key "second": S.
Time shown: {"hour": 5, "minute": 55, "second": 43}
